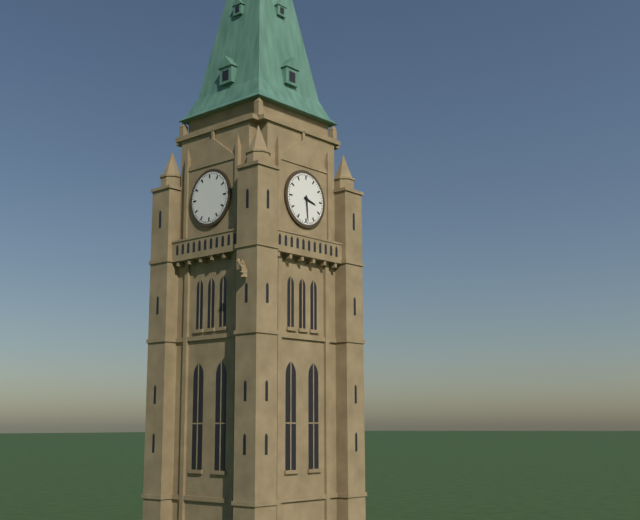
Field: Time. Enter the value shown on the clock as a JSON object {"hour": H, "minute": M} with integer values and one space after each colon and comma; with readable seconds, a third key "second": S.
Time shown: {"hour": 3, "minute": 29}
